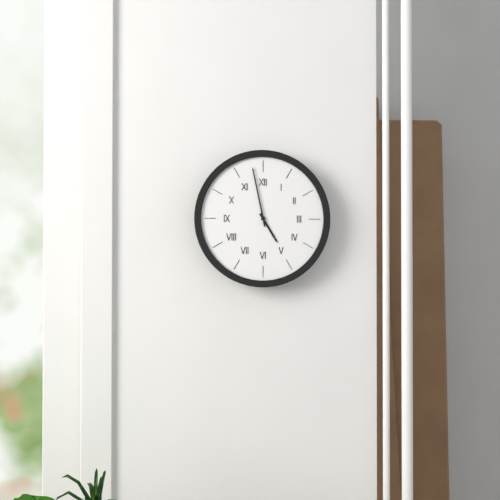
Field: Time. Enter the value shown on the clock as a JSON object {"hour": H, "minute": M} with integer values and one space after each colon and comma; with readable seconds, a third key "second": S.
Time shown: {"hour": 4, "minute": 58}
